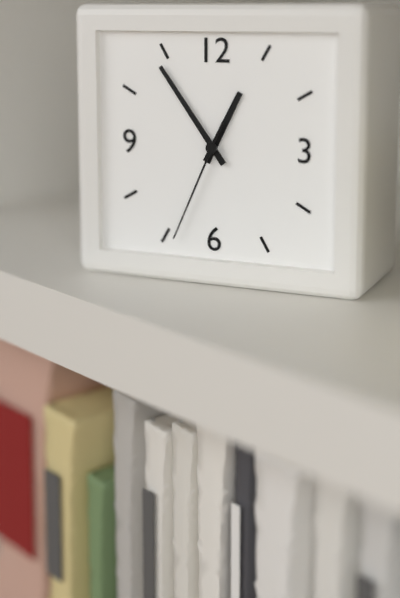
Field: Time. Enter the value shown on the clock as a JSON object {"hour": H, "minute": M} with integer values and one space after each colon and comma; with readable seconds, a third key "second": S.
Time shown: {"hour": 12, "minute": 54, "second": 34}
